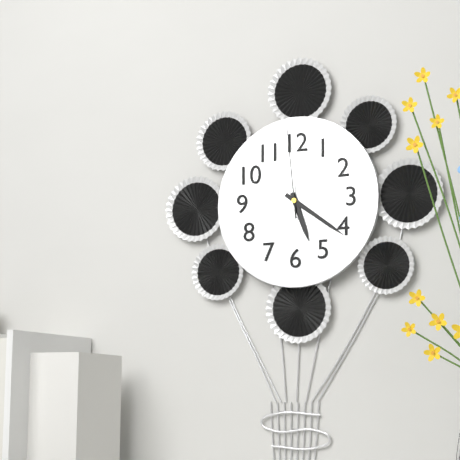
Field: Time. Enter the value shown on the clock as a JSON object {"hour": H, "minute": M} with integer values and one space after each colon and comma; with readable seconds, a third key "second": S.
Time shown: {"hour": 5, "minute": 21, "second": 59}
